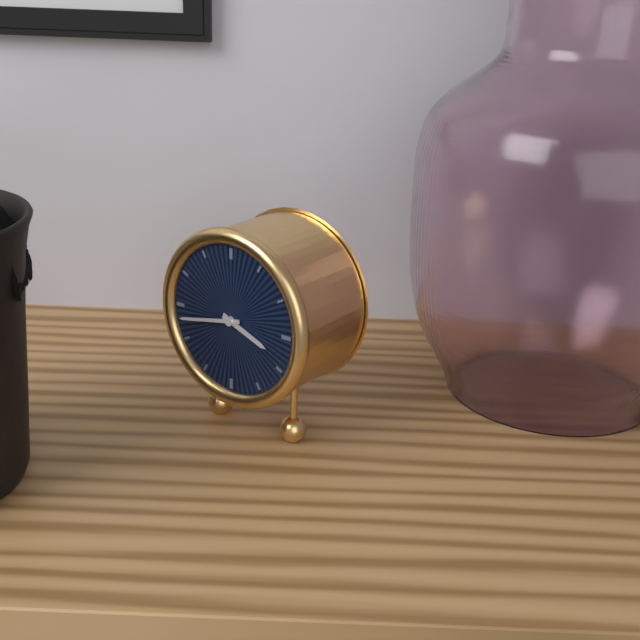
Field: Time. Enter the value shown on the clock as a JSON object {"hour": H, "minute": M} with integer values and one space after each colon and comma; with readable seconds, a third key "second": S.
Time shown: {"hour": 3, "minute": 43}
